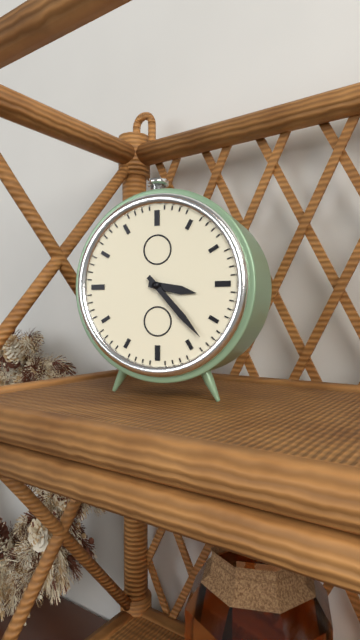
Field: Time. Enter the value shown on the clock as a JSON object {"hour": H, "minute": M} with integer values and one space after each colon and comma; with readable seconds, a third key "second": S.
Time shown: {"hour": 3, "minute": 23}
